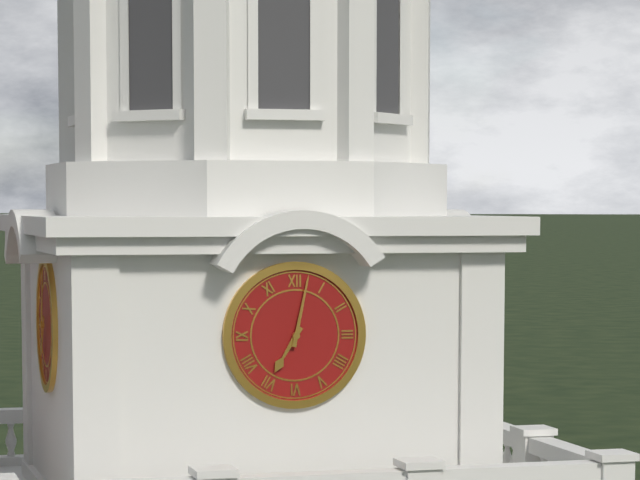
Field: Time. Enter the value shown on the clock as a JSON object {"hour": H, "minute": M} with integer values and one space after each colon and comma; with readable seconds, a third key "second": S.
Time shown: {"hour": 7, "minute": 2}
